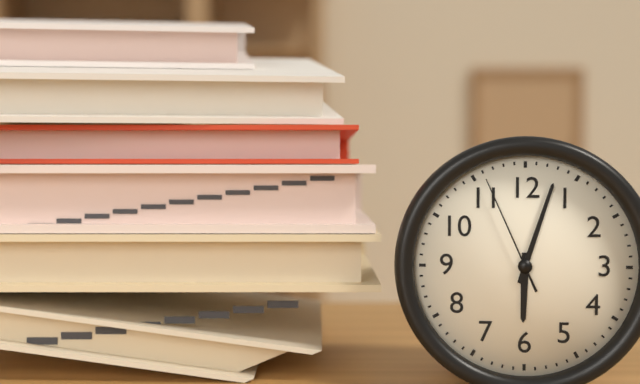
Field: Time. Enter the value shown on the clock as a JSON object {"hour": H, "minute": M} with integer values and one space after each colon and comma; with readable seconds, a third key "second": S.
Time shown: {"hour": 6, "minute": 3, "second": 56}
